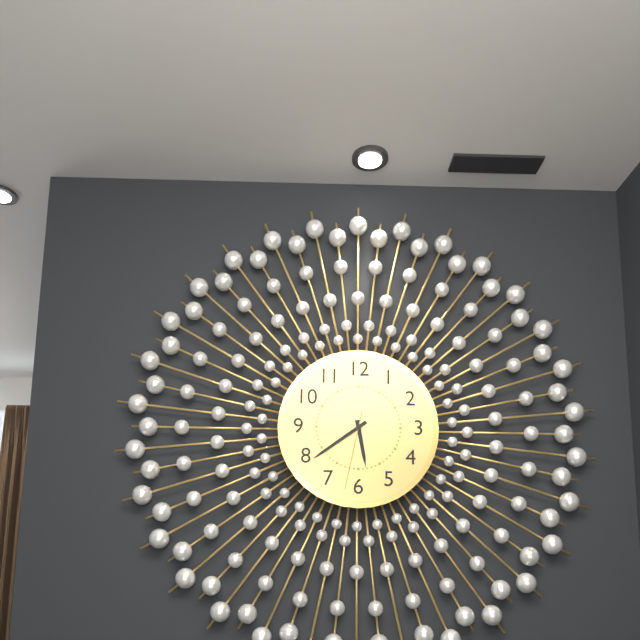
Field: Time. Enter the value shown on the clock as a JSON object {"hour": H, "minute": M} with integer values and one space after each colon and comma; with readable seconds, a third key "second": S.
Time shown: {"hour": 5, "minute": 39, "second": 32}
